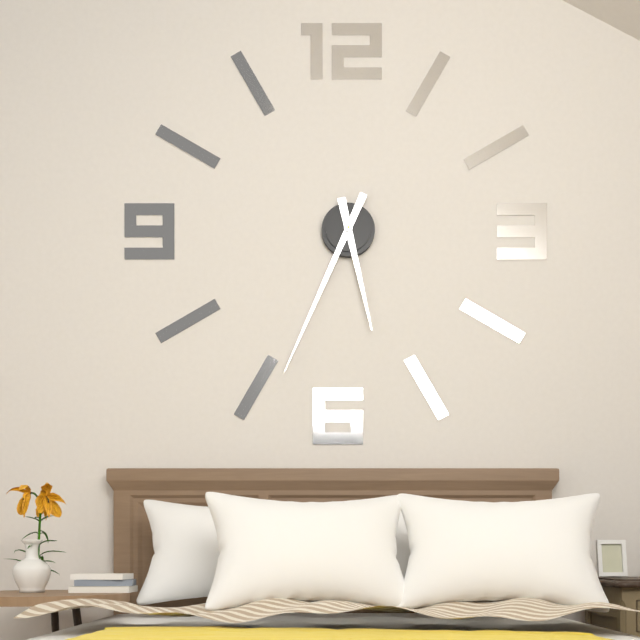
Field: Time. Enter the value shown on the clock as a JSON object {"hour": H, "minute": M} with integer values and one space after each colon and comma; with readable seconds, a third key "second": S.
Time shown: {"hour": 5, "minute": 34}
